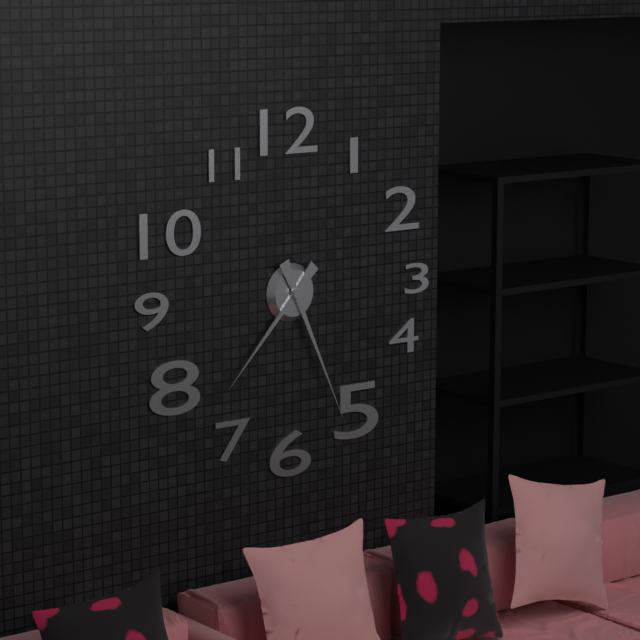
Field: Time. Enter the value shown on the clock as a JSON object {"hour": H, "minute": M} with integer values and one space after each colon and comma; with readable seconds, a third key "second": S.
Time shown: {"hour": 7, "minute": 26}
